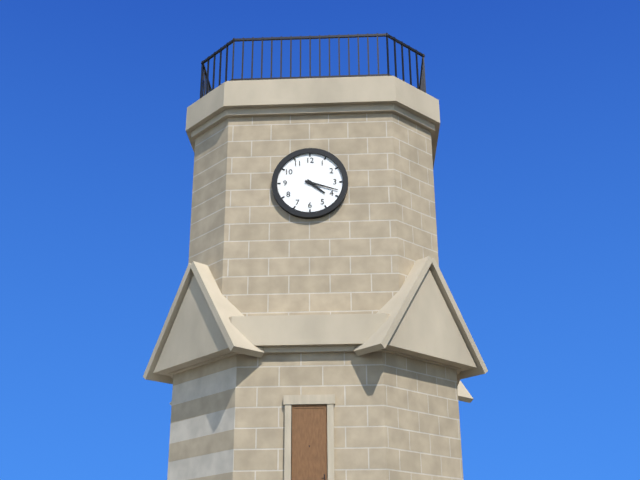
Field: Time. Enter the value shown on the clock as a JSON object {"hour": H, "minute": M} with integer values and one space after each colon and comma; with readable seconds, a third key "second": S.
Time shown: {"hour": 4, "minute": 18}
